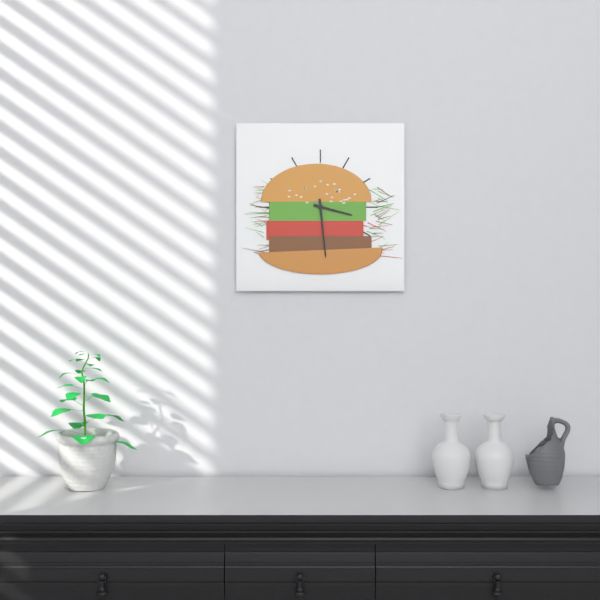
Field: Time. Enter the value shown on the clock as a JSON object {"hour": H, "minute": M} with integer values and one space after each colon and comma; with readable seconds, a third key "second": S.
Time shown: {"hour": 3, "minute": 29}
